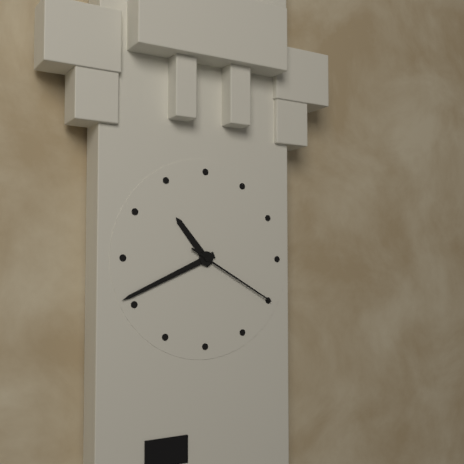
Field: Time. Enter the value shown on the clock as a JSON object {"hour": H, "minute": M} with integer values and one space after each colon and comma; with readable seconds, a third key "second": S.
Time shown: {"hour": 10, "minute": 41, "second": 20}
